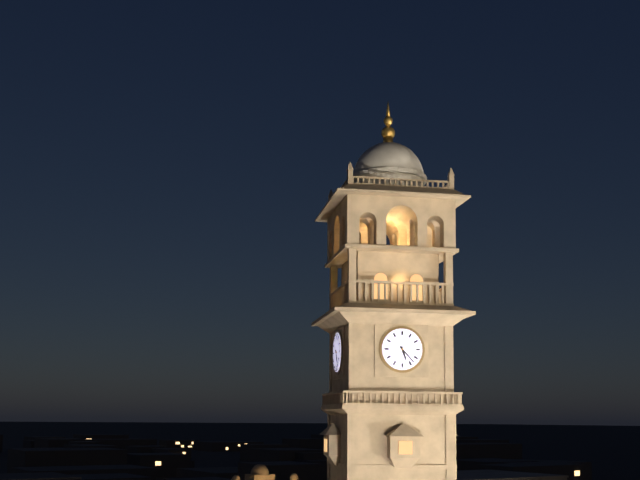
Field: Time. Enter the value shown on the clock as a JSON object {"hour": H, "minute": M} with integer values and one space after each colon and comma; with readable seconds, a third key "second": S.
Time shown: {"hour": 5, "minute": 23}
